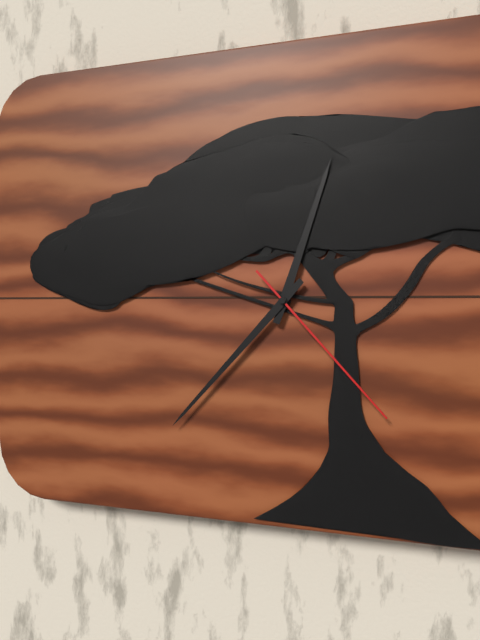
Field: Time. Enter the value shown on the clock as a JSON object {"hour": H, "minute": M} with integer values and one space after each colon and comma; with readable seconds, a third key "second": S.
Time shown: {"hour": 12, "minute": 37, "second": 23}
